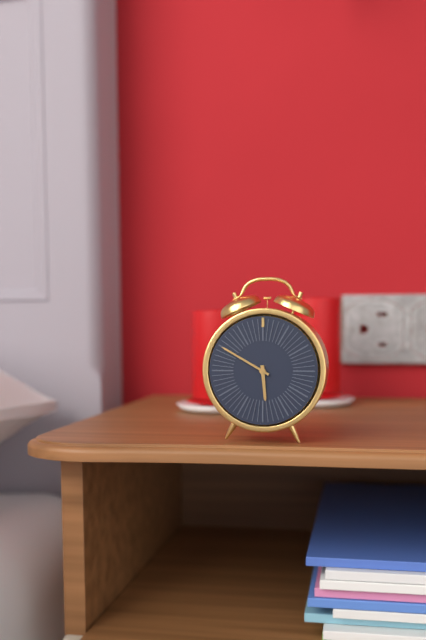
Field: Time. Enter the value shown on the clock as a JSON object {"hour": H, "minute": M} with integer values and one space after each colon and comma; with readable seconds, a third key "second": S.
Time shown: {"hour": 5, "minute": 50}
